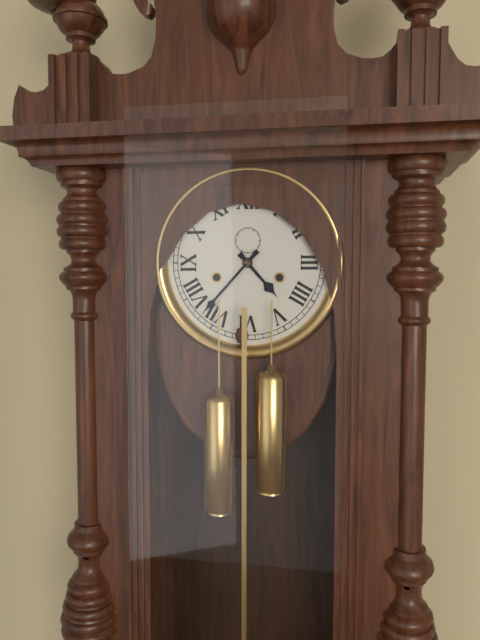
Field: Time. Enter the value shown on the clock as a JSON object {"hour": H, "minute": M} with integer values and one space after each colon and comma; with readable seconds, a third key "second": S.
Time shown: {"hour": 4, "minute": 37}
